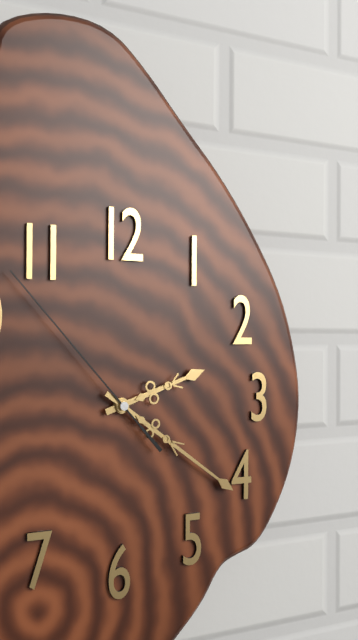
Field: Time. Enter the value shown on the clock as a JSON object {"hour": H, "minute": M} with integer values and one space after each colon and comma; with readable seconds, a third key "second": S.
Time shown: {"hour": 2, "minute": 21, "second": 53}
